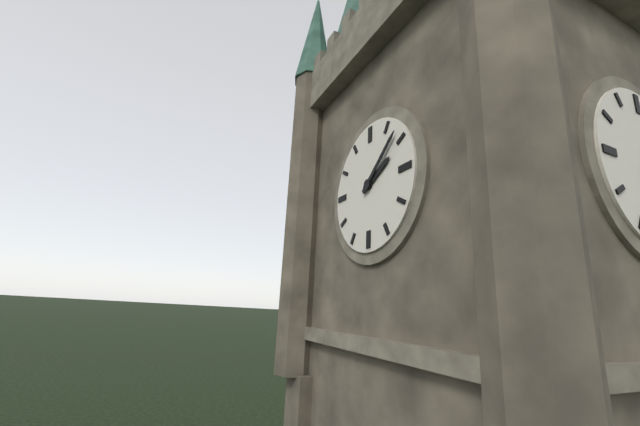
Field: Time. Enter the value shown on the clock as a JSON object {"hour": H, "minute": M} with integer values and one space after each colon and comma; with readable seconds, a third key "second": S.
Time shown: {"hour": 2, "minute": 8}
